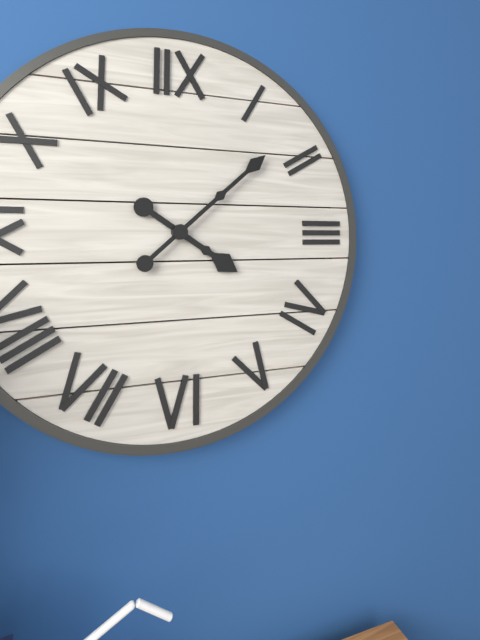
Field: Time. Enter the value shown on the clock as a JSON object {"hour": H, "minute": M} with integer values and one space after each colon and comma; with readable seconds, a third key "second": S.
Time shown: {"hour": 4, "minute": 8}
